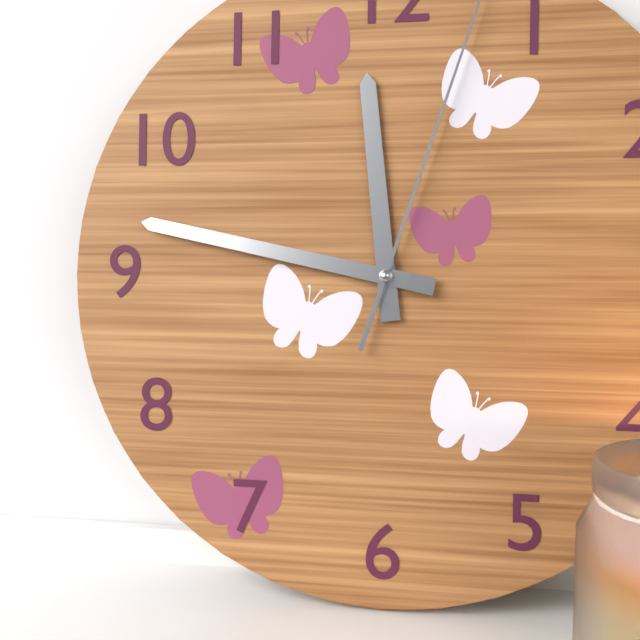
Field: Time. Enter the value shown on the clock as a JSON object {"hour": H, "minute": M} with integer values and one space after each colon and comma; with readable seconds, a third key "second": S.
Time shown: {"hour": 11, "minute": 47}
